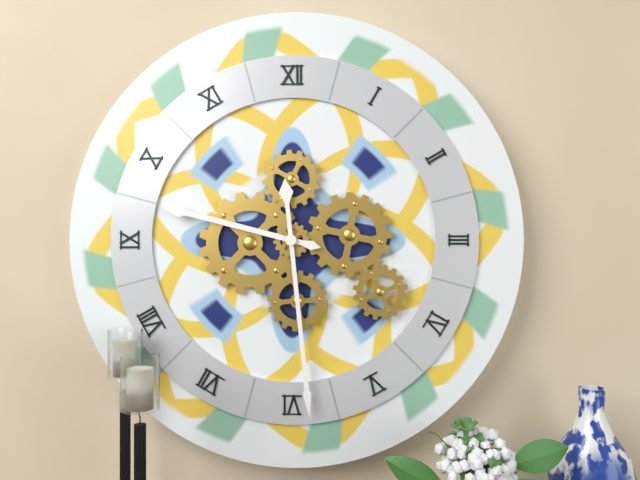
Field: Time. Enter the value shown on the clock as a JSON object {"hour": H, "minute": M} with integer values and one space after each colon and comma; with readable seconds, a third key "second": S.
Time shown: {"hour": 9, "minute": 29}
